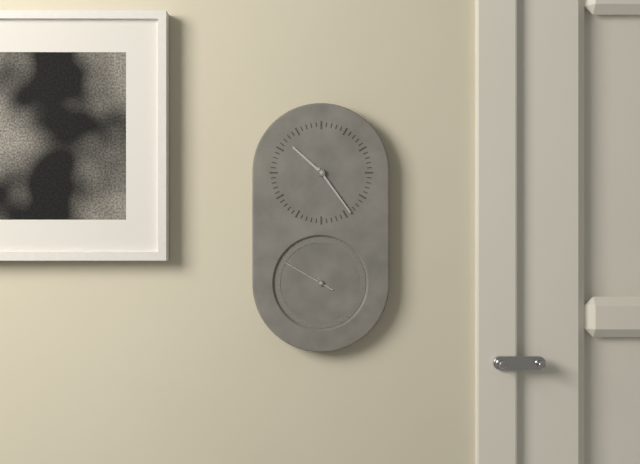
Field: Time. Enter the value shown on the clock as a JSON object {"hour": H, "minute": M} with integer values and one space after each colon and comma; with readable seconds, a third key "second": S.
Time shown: {"hour": 10, "minute": 24, "second": 50}
